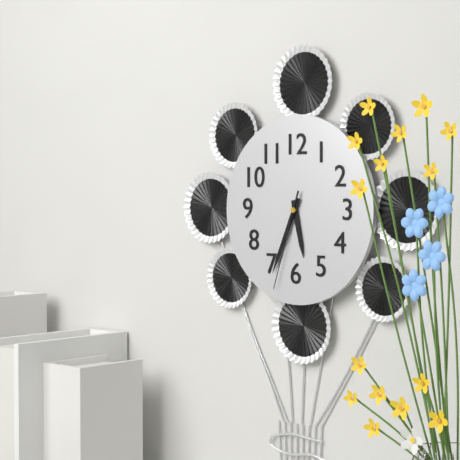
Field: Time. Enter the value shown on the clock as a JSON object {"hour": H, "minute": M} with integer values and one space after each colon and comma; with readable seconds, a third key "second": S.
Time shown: {"hour": 5, "minute": 34, "second": 33}
